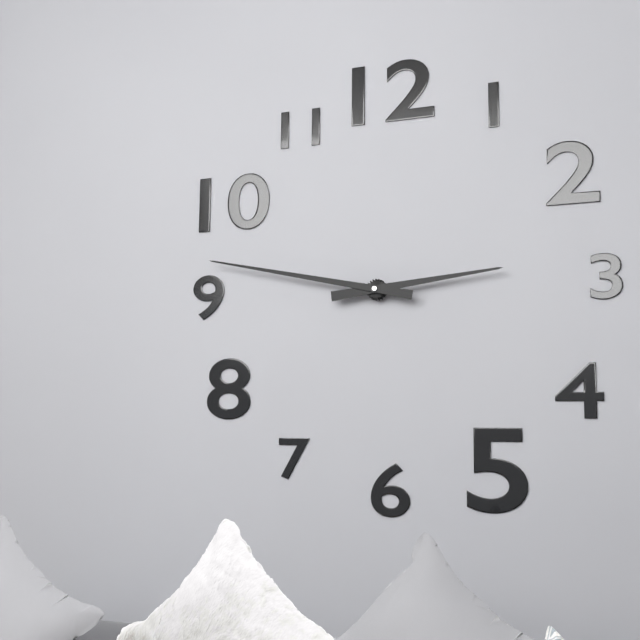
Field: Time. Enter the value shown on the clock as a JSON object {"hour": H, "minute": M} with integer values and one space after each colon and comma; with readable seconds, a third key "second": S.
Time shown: {"hour": 2, "minute": 47}
